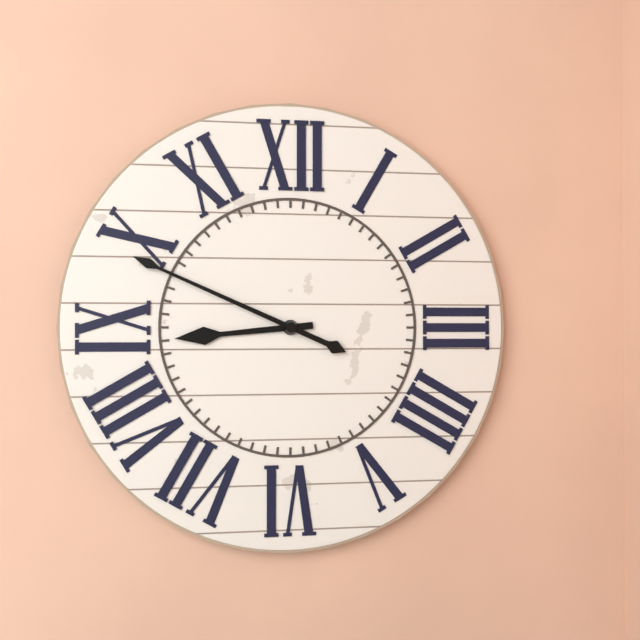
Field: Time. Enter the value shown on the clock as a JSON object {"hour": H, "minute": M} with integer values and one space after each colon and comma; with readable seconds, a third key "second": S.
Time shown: {"hour": 8, "minute": 49}
